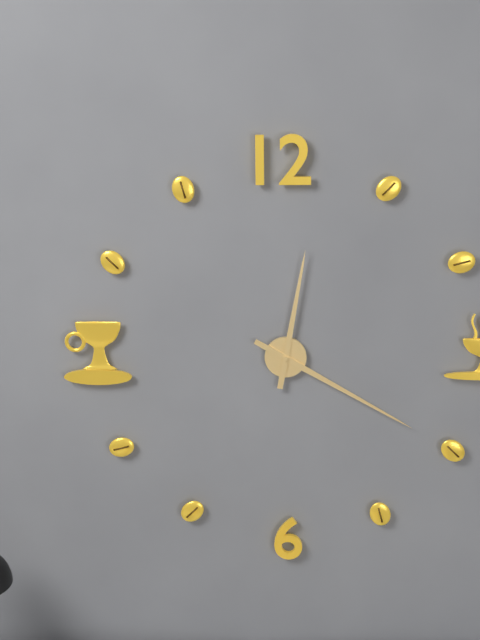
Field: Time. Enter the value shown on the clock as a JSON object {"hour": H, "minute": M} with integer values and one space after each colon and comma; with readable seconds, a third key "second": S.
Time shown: {"hour": 12, "minute": 20}
